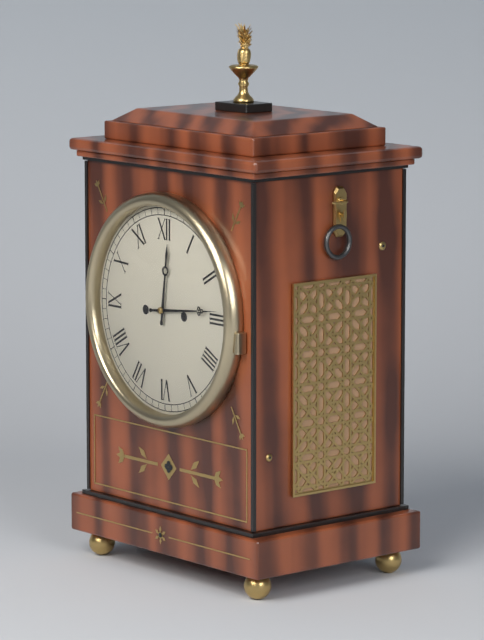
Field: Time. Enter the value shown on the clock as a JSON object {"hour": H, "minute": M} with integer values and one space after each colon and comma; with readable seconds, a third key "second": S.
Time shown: {"hour": 12, "minute": 14}
